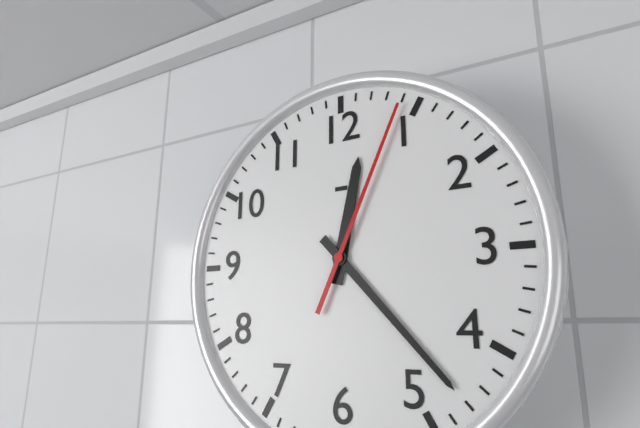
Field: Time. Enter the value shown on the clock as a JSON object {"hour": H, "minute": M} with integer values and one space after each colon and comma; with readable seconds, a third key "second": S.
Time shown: {"hour": 12, "minute": 23, "second": 4}
